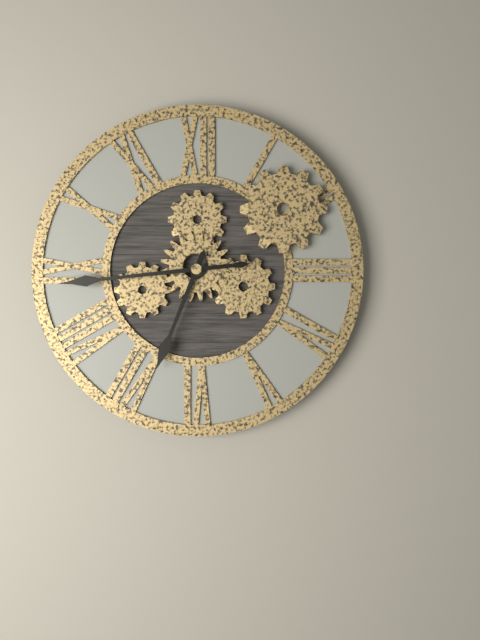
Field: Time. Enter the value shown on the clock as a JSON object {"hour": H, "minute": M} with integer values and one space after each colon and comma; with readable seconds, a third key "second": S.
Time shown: {"hour": 6, "minute": 44}
